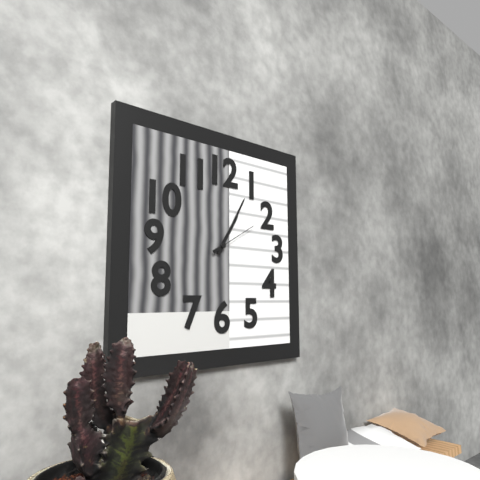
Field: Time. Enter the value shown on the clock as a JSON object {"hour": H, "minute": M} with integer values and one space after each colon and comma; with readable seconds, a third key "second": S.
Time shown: {"hour": 1, "minute": 5}
